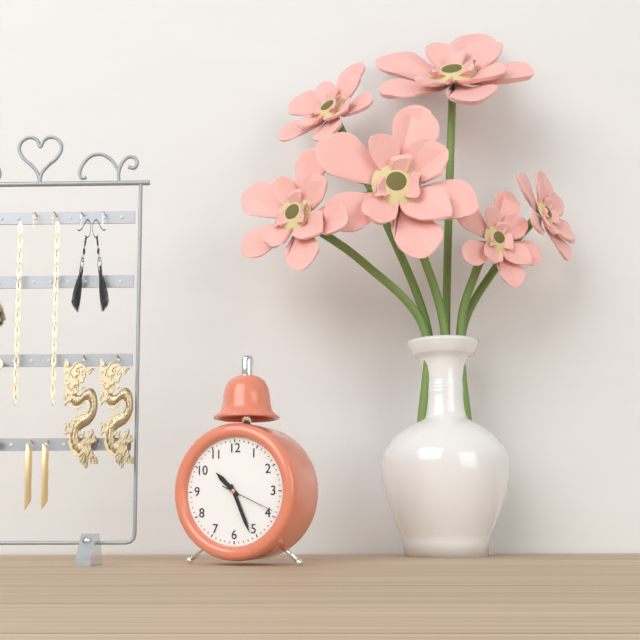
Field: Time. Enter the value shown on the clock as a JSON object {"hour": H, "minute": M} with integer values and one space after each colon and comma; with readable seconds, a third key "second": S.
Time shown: {"hour": 10, "minute": 26, "second": 19}
